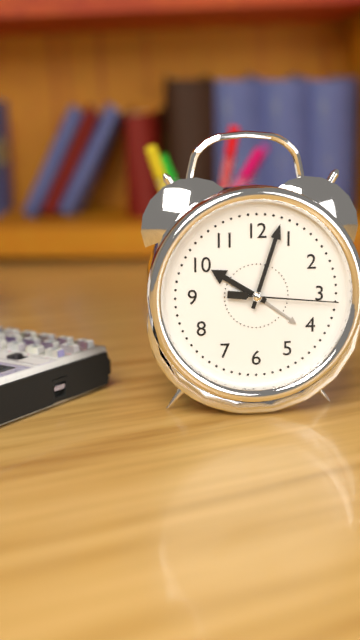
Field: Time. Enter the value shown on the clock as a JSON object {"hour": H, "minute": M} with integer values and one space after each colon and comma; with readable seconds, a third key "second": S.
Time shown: {"hour": 10, "minute": 3, "second": 16}
